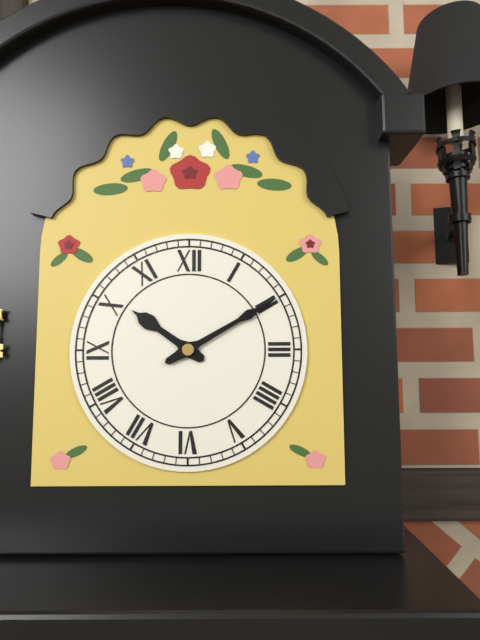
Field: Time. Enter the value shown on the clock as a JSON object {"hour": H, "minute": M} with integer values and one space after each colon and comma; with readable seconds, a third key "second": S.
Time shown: {"hour": 10, "minute": 10}
